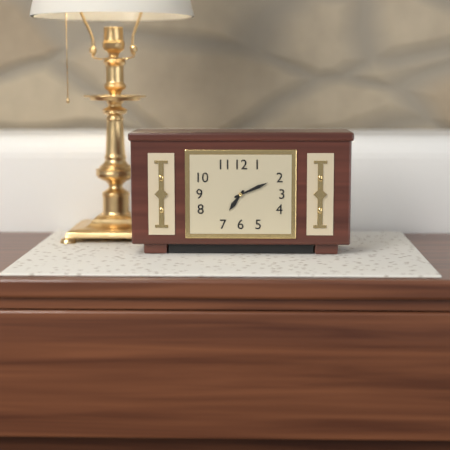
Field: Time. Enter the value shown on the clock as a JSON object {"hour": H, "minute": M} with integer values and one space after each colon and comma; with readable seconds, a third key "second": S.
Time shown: {"hour": 7, "minute": 11}
